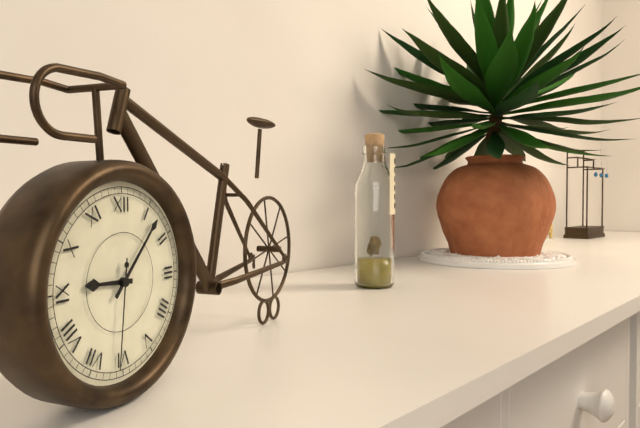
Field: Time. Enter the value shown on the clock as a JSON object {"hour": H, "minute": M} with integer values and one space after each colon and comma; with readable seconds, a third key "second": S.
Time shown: {"hour": 9, "minute": 7, "second": 31}
